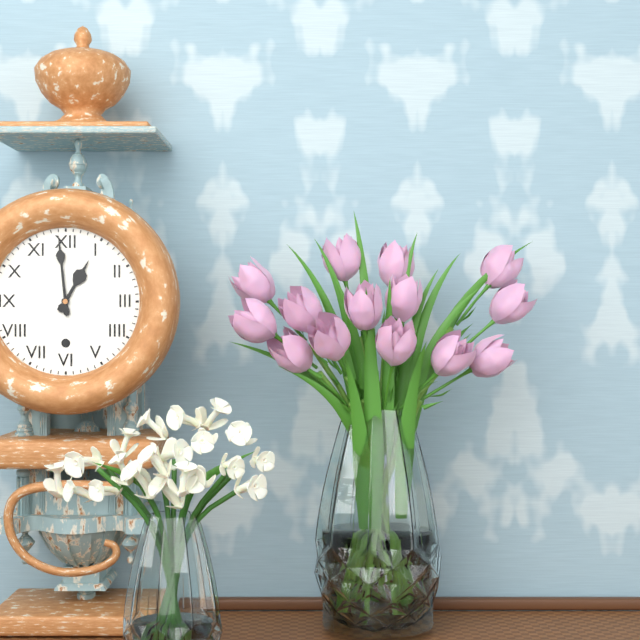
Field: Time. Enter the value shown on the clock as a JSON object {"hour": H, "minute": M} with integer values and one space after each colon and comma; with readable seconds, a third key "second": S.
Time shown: {"hour": 12, "minute": 59}
